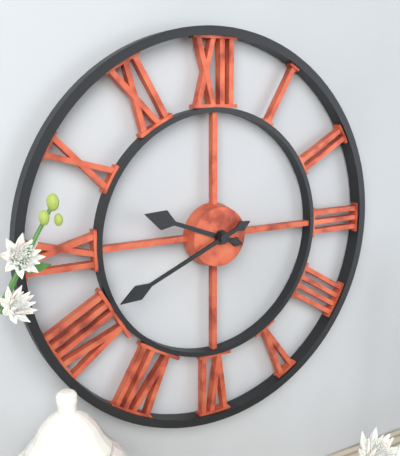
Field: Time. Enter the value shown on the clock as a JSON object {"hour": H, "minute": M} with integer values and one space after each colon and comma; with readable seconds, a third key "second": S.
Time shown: {"hour": 9, "minute": 41}
